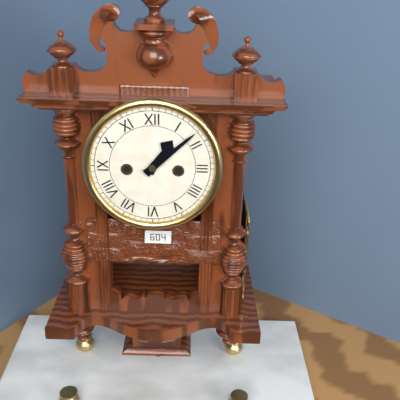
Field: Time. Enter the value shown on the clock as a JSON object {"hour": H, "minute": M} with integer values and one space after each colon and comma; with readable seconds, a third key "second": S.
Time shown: {"hour": 1, "minute": 8}
